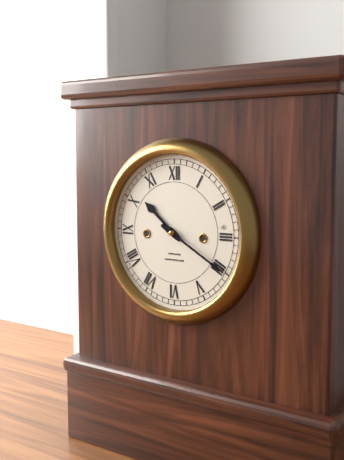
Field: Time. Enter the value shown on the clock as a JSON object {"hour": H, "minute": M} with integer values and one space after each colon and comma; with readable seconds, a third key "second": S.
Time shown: {"hour": 10, "minute": 20}
